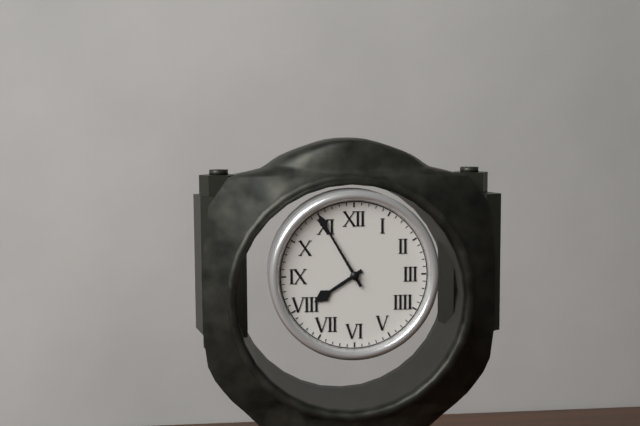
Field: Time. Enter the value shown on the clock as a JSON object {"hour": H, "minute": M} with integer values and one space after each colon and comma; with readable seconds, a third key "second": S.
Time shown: {"hour": 7, "minute": 55}
